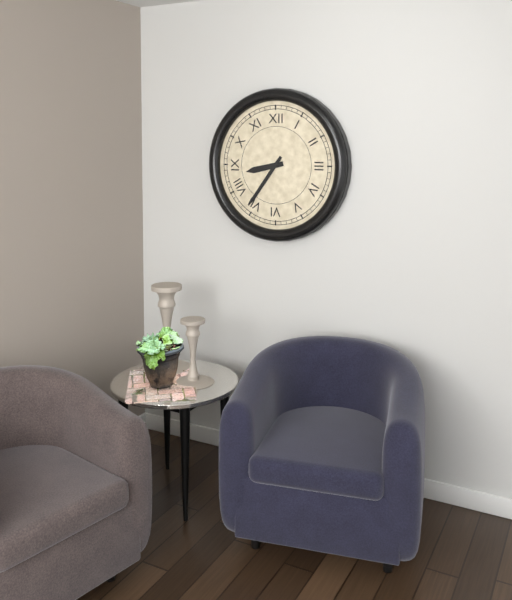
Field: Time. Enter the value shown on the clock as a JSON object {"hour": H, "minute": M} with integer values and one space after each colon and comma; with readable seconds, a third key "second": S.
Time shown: {"hour": 8, "minute": 36}
